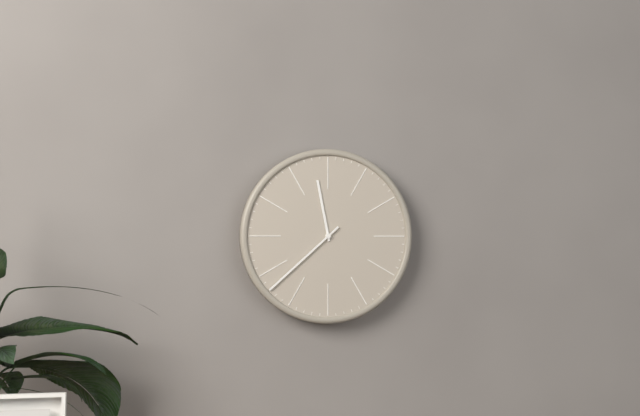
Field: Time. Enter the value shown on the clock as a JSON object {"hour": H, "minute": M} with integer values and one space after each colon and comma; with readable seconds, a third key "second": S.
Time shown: {"hour": 11, "minute": 38}
